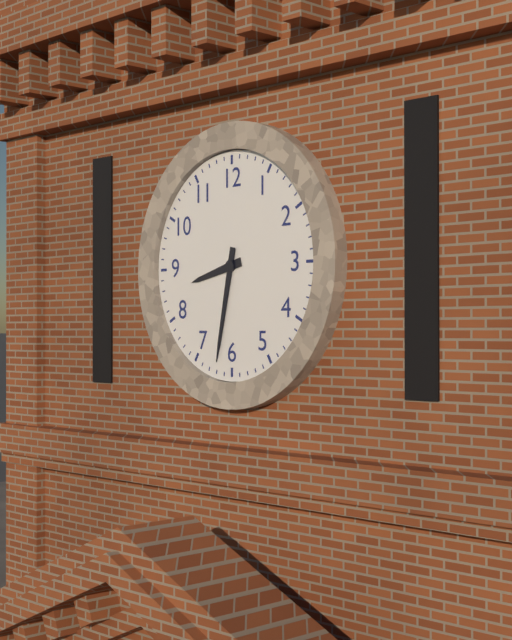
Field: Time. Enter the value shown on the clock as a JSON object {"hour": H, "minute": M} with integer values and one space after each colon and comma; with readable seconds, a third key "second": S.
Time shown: {"hour": 8, "minute": 32}
